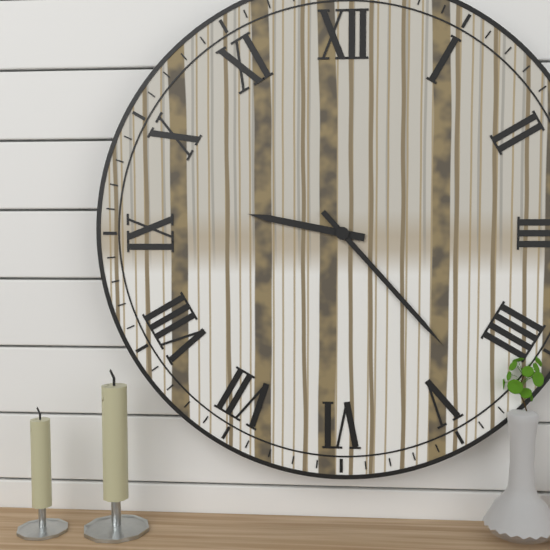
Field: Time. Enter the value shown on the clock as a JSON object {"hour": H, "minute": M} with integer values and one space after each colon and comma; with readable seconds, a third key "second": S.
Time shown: {"hour": 9, "minute": 23}
